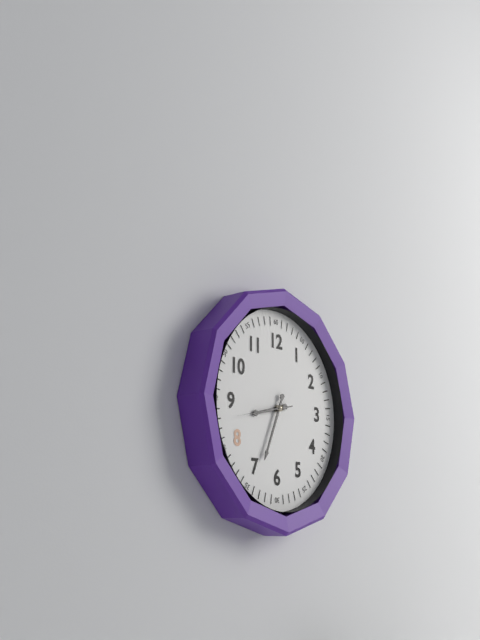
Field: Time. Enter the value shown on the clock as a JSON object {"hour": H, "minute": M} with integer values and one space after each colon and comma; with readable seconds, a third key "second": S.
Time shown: {"hour": 8, "minute": 34}
